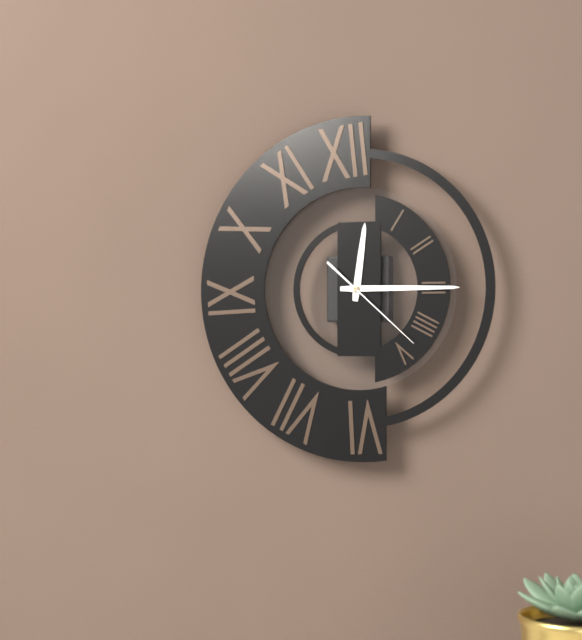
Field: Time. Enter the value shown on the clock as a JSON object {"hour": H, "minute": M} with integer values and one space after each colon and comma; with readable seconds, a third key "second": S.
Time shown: {"hour": 12, "minute": 15, "second": 22}
